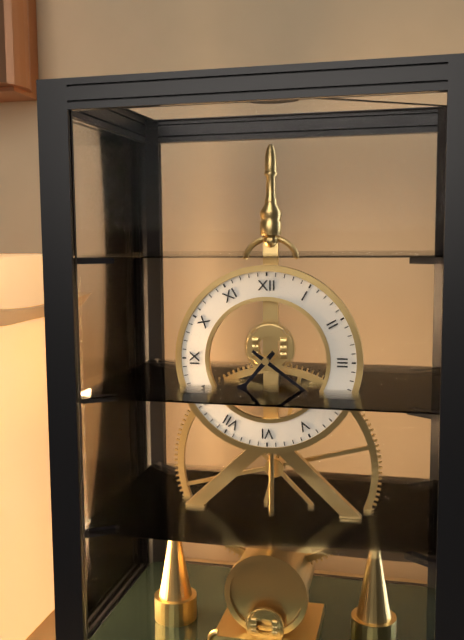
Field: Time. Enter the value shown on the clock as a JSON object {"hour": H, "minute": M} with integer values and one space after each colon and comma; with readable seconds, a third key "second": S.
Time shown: {"hour": 7, "minute": 21}
